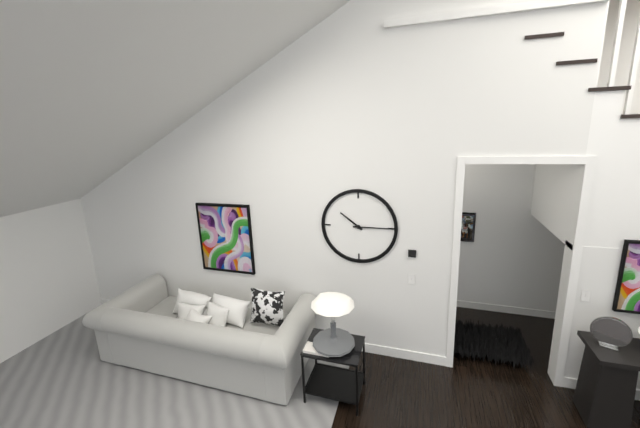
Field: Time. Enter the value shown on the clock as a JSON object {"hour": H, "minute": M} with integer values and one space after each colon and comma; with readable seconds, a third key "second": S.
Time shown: {"hour": 10, "minute": 15}
